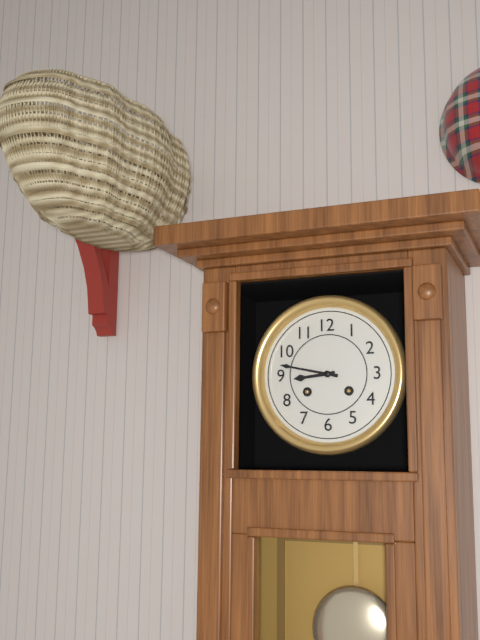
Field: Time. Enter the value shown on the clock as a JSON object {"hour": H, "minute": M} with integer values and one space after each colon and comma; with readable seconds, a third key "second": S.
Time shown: {"hour": 8, "minute": 47}
